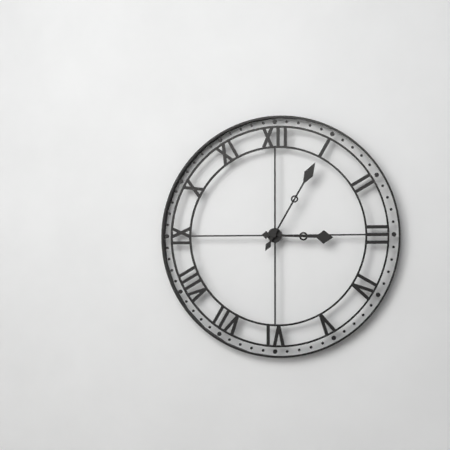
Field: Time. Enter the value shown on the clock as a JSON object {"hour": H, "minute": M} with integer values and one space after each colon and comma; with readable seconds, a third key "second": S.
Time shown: {"hour": 3, "minute": 5}
